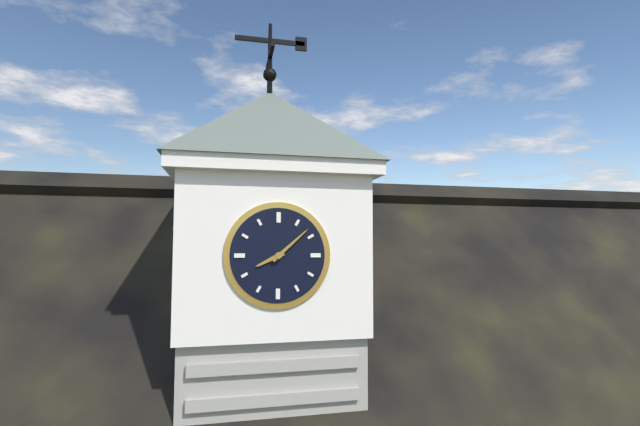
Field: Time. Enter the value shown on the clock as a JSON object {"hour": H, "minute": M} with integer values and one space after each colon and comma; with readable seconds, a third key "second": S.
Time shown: {"hour": 8, "minute": 8}
